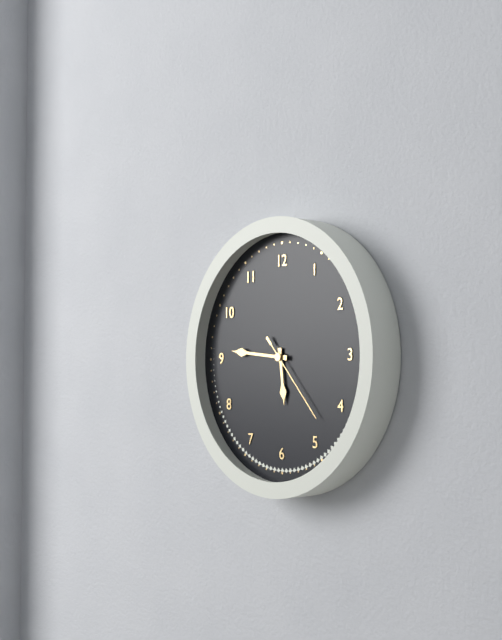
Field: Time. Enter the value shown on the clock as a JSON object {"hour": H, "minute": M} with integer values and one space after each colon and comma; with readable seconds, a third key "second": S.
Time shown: {"hour": 5, "minute": 46, "second": 23}
